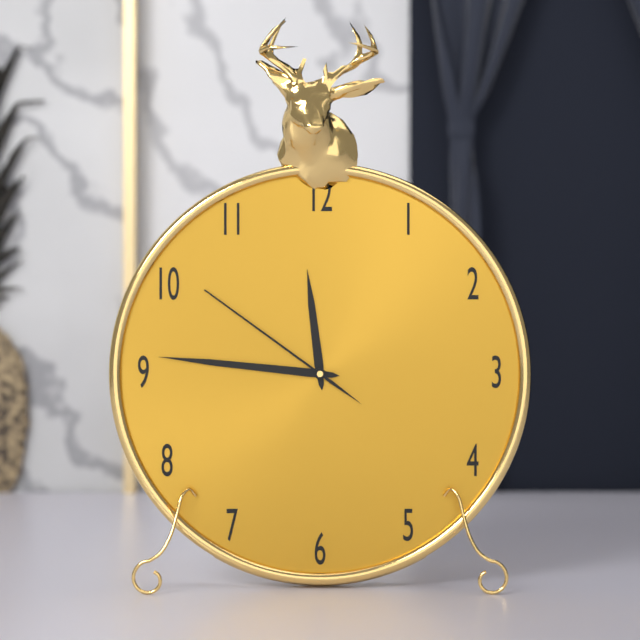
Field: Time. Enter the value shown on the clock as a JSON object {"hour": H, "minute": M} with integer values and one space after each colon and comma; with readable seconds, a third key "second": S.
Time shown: {"hour": 11, "minute": 46, "second": 51}
